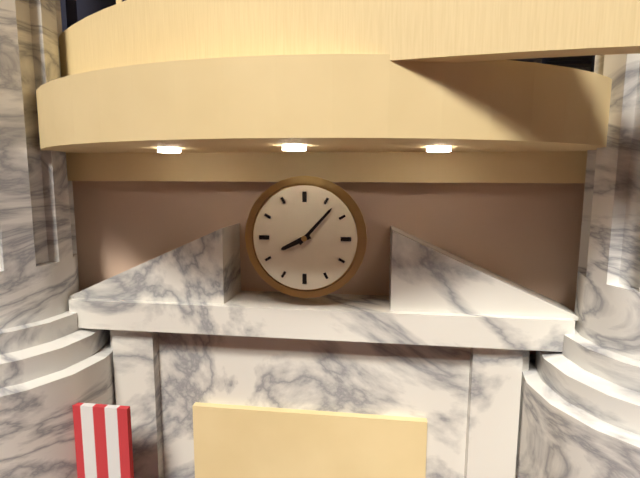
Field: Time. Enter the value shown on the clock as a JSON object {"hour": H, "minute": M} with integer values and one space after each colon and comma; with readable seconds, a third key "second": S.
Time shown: {"hour": 8, "minute": 7}
